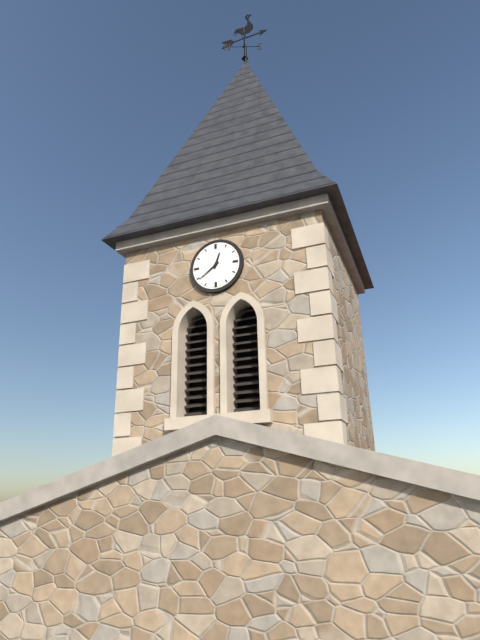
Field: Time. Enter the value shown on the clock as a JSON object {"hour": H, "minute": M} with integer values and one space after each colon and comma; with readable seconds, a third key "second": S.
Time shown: {"hour": 12, "minute": 39}
